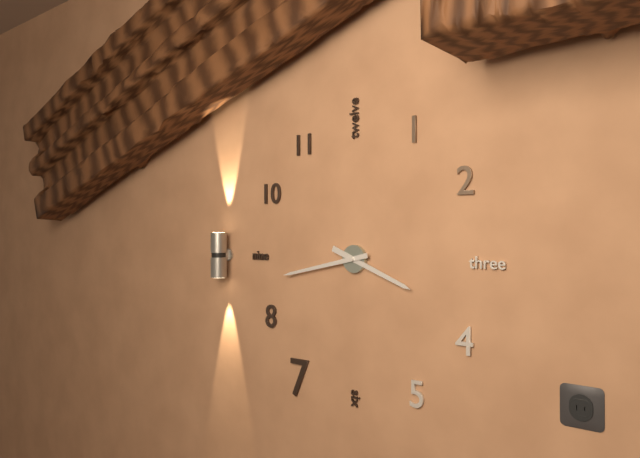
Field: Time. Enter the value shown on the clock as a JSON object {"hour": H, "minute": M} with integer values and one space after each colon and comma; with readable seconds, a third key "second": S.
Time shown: {"hour": 3, "minute": 43}
